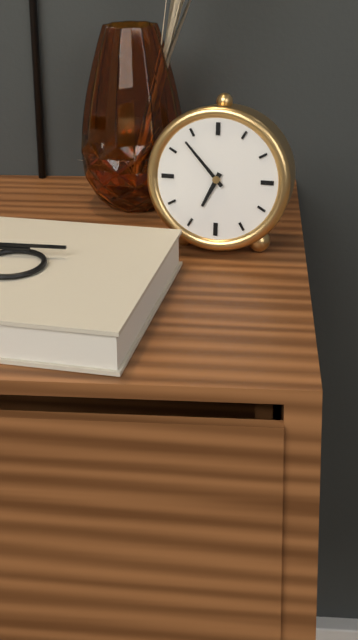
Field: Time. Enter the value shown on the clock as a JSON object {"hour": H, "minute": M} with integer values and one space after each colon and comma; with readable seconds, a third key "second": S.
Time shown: {"hour": 6, "minute": 53}
